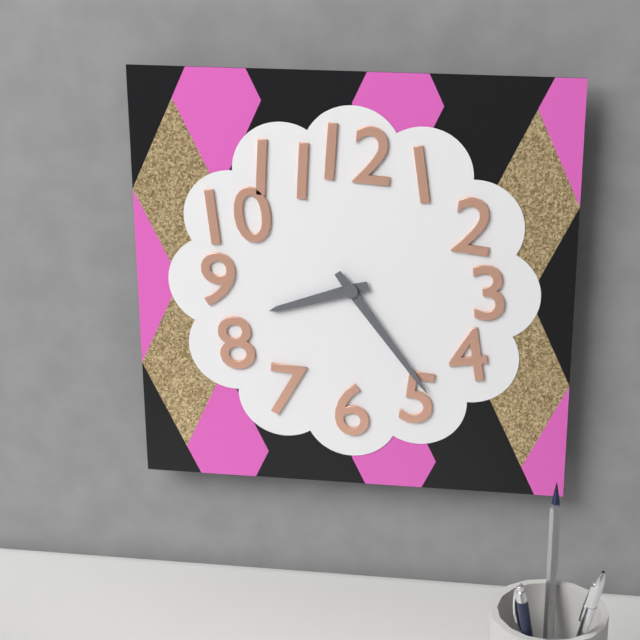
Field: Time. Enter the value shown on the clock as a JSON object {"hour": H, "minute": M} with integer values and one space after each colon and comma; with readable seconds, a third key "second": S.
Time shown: {"hour": 8, "minute": 24}
